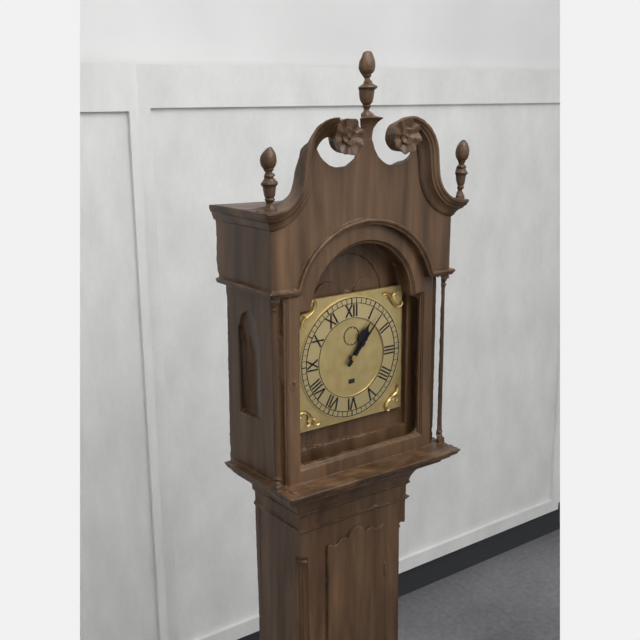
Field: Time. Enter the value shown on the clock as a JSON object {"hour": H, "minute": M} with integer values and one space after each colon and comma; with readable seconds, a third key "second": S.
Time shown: {"hour": 1, "minute": 7}
